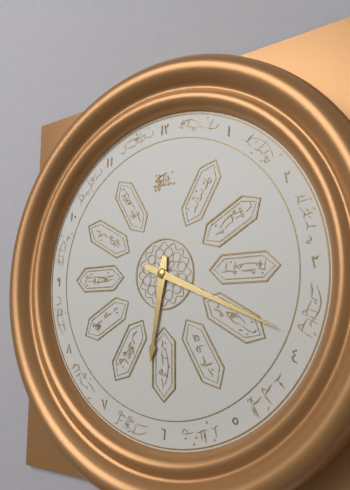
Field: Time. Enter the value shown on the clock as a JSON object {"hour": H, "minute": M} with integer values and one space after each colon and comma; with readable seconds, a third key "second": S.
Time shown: {"hour": 6, "minute": 19}
